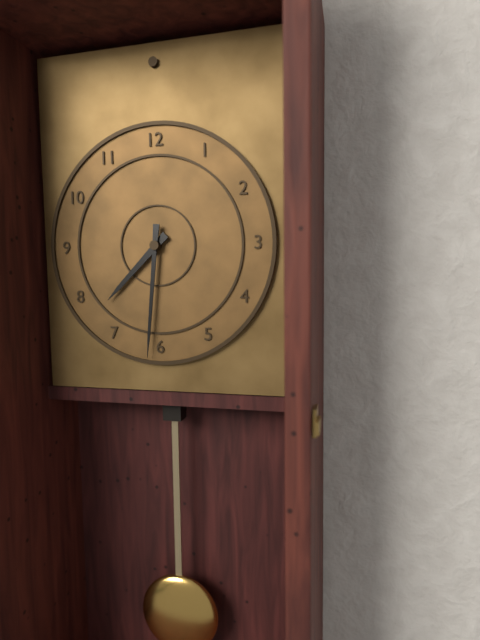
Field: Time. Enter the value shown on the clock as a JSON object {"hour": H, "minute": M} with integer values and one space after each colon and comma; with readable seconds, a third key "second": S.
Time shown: {"hour": 7, "minute": 31}
